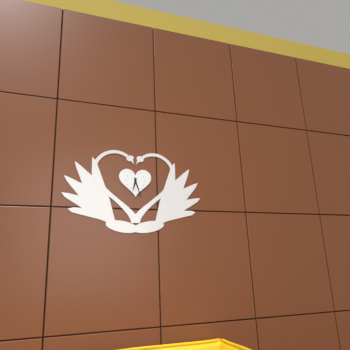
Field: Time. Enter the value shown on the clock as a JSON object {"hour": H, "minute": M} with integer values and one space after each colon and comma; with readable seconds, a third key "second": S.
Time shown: {"hour": 6, "minute": 27}
